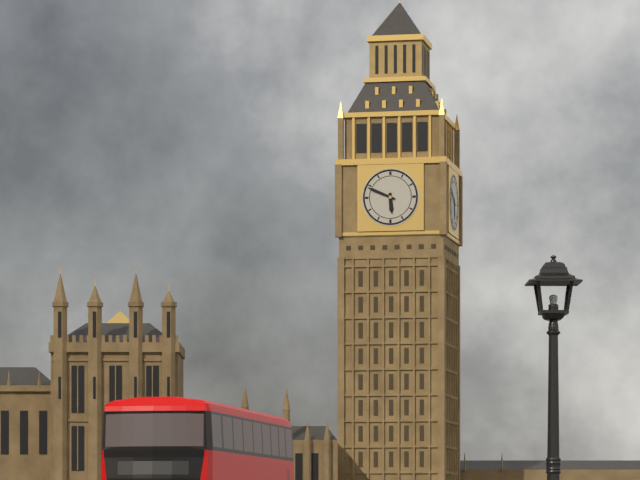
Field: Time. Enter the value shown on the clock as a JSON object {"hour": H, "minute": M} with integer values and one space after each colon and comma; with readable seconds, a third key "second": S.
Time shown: {"hour": 5, "minute": 49}
